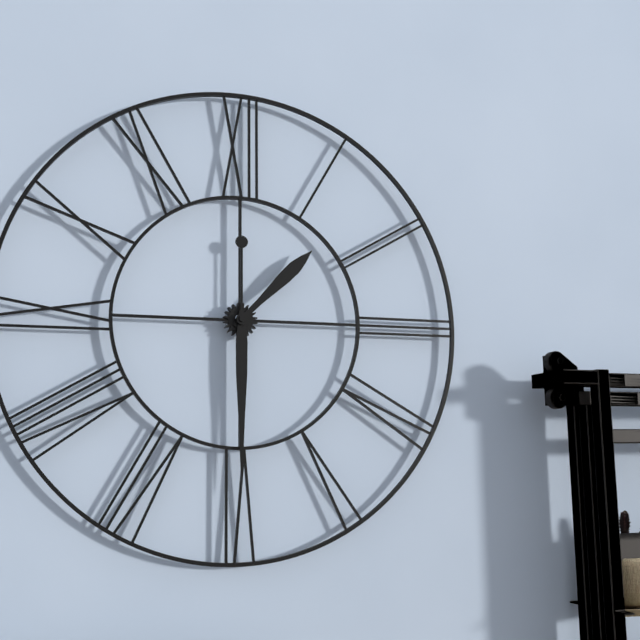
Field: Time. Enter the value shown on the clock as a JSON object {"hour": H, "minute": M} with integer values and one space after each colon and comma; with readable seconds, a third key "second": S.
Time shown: {"hour": 1, "minute": 30}
